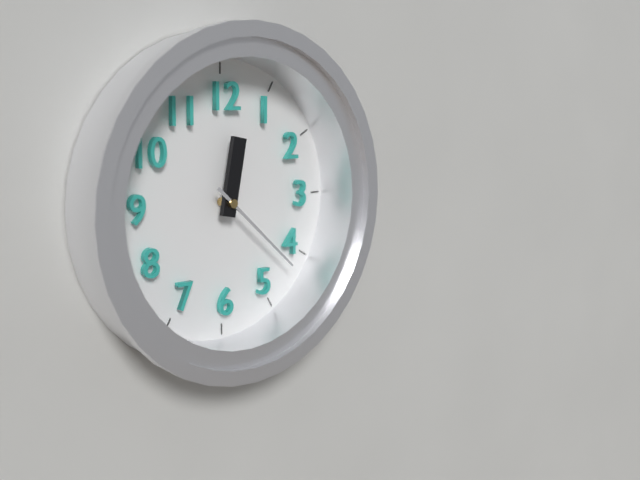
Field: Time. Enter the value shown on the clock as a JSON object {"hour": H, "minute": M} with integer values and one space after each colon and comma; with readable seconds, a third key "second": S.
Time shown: {"hour": 12, "minute": 22}
